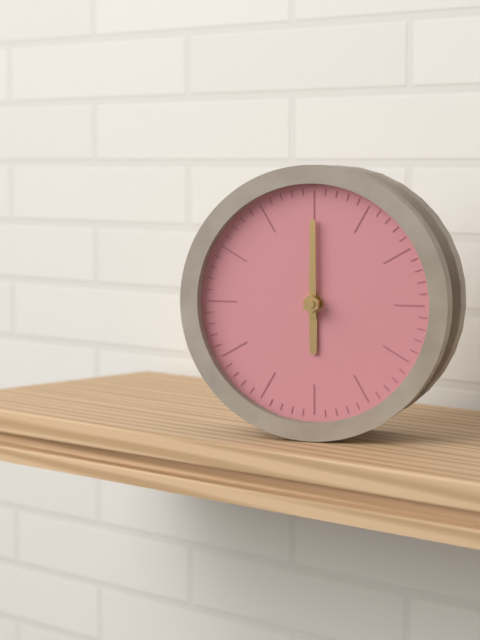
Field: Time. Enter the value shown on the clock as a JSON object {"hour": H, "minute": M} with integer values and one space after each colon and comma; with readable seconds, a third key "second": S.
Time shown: {"hour": 6, "minute": 0}
